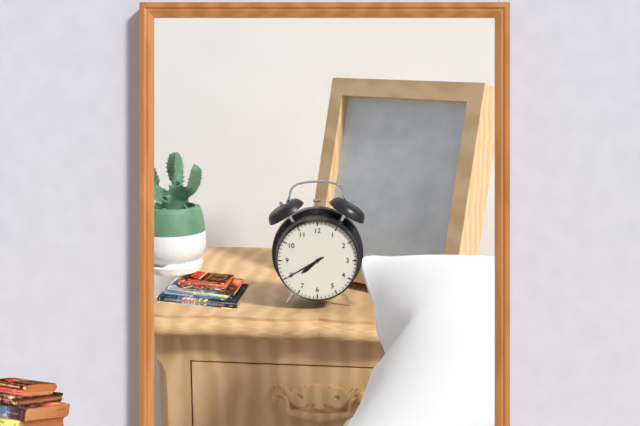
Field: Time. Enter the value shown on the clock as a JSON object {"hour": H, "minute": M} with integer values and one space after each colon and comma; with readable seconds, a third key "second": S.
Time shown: {"hour": 7, "minute": 40}
